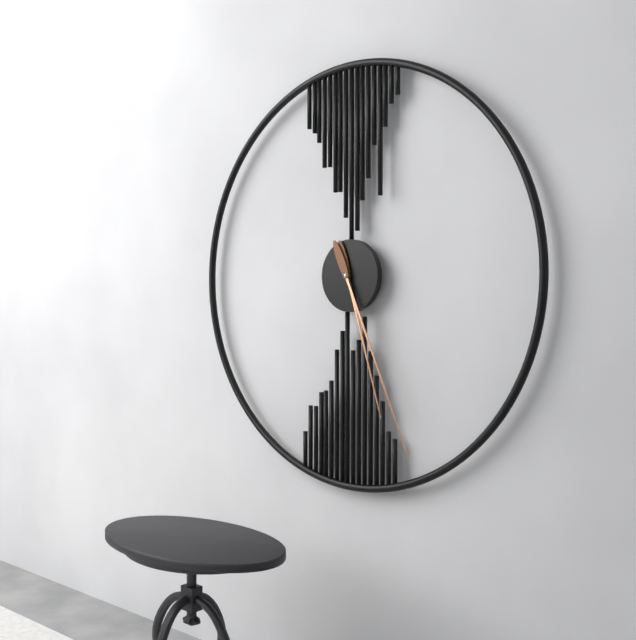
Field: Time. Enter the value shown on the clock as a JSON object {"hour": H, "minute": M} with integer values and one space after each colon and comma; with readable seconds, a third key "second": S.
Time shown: {"hour": 5, "minute": 26}
